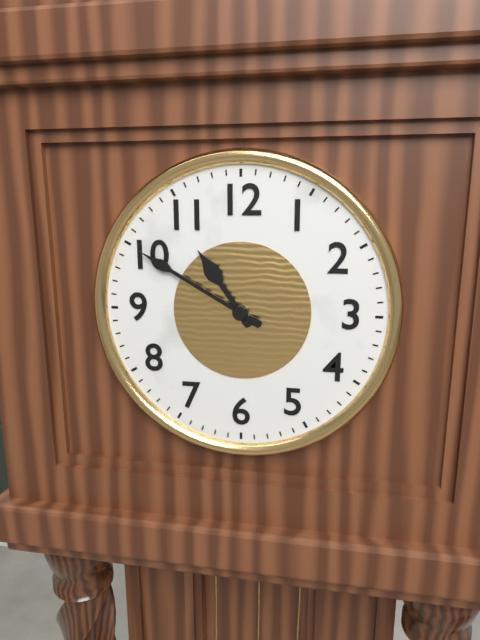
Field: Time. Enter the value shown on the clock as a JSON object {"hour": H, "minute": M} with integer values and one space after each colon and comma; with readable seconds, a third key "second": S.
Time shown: {"hour": 10, "minute": 50}
